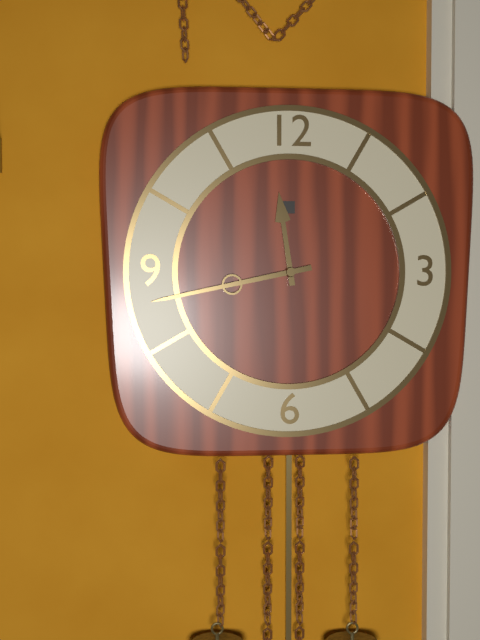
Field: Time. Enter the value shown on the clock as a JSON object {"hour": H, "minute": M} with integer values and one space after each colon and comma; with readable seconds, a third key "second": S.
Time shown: {"hour": 11, "minute": 43}
